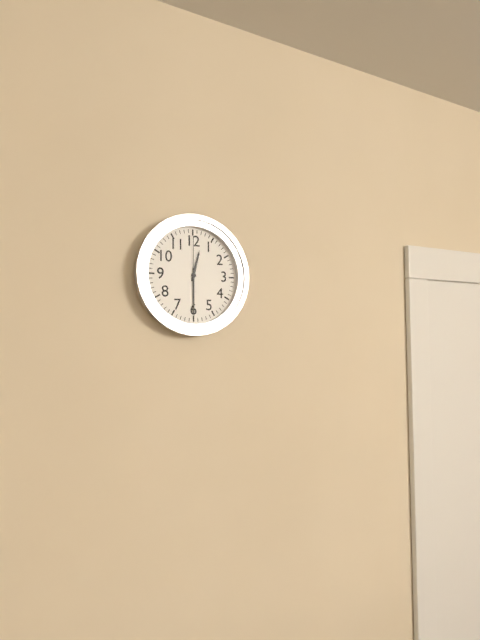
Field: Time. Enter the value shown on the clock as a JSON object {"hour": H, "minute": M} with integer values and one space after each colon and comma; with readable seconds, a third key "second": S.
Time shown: {"hour": 12, "minute": 30, "second": 0}
